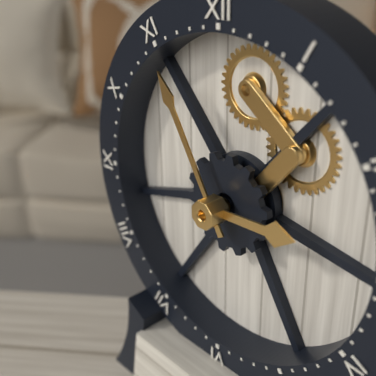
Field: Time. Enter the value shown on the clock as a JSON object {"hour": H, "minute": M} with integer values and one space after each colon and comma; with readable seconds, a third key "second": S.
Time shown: {"hour": 2, "minute": 55}
